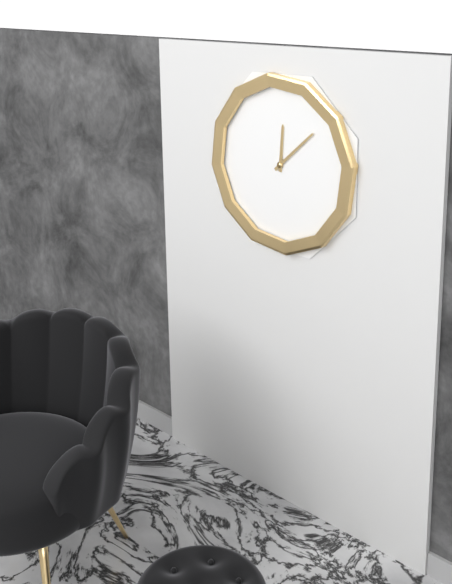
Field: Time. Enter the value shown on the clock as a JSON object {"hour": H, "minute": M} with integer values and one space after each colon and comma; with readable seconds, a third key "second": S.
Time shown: {"hour": 12, "minute": 8}
